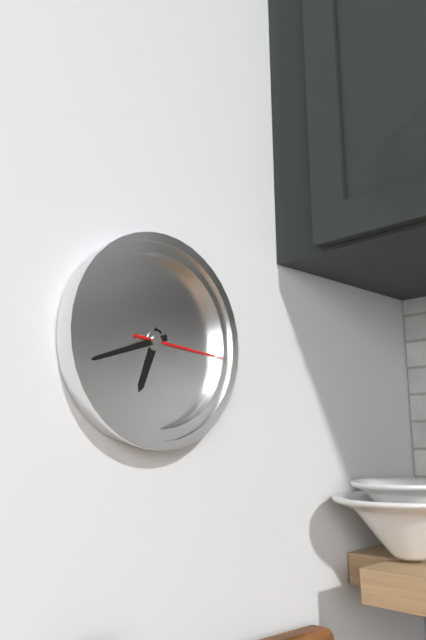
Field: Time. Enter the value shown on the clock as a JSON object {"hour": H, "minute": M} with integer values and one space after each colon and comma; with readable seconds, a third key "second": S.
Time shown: {"hour": 6, "minute": 42, "second": 16}
